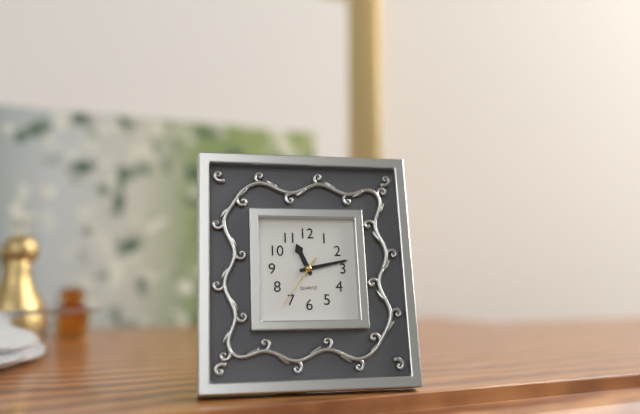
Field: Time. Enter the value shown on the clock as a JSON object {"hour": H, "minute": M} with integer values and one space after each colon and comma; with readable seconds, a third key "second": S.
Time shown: {"hour": 11, "minute": 13, "second": 36}
